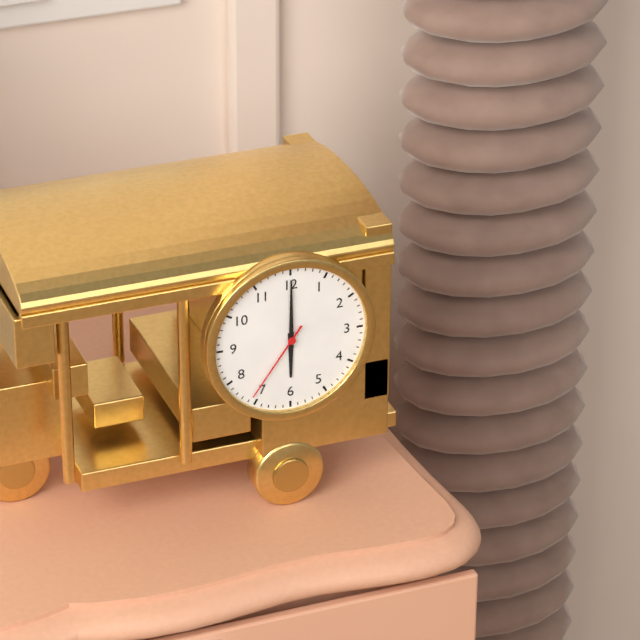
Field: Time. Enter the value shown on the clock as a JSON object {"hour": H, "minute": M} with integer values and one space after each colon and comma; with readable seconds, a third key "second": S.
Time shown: {"hour": 6, "minute": 0, "second": 36}
